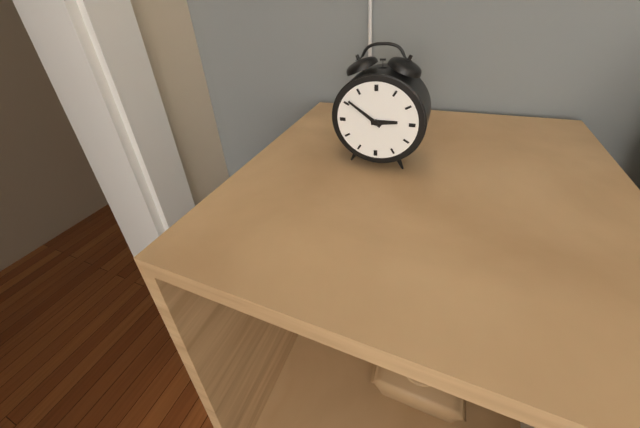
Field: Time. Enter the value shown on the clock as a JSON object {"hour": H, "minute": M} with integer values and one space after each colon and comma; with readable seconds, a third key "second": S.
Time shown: {"hour": 2, "minute": 51}
